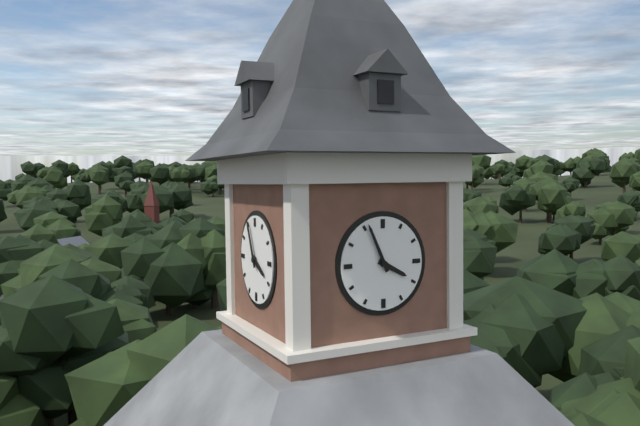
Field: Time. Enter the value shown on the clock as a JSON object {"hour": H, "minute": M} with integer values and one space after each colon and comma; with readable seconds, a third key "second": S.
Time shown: {"hour": 3, "minute": 56}
